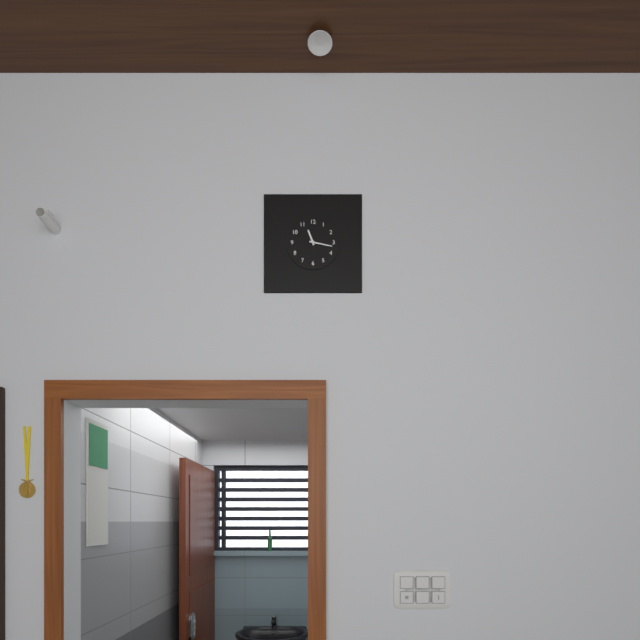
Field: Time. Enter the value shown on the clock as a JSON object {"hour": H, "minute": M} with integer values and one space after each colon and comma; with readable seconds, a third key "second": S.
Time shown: {"hour": 11, "minute": 17}
